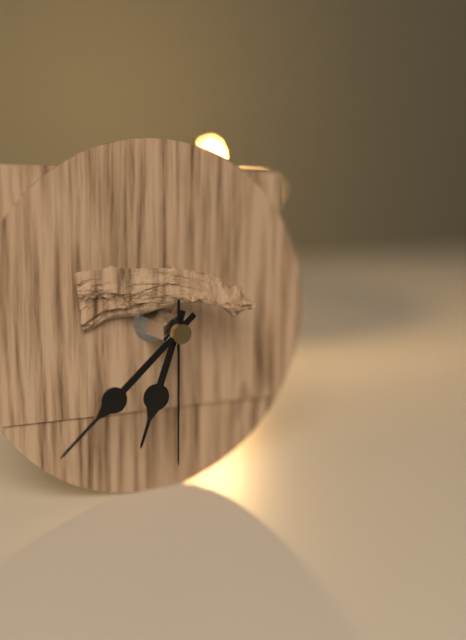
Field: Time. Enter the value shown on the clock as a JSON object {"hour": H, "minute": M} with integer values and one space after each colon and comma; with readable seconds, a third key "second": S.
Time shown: {"hour": 6, "minute": 38, "second": 30}
